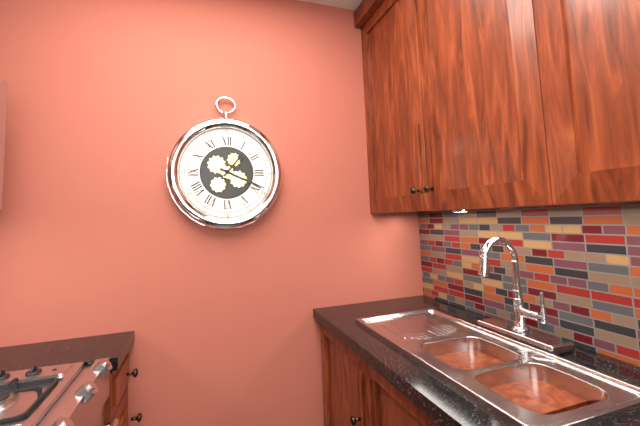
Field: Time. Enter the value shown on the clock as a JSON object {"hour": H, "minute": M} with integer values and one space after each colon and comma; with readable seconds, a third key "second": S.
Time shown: {"hour": 1, "minute": 19}
